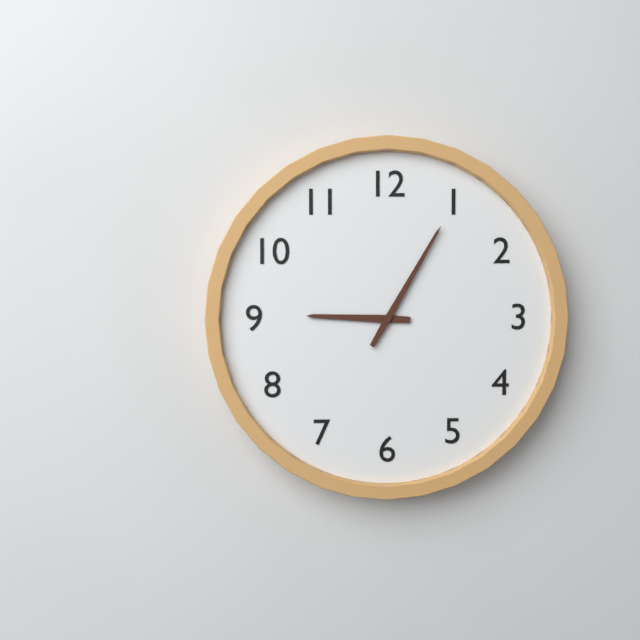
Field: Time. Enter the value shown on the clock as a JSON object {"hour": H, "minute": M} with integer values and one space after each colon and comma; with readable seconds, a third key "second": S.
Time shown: {"hour": 9, "minute": 5}
